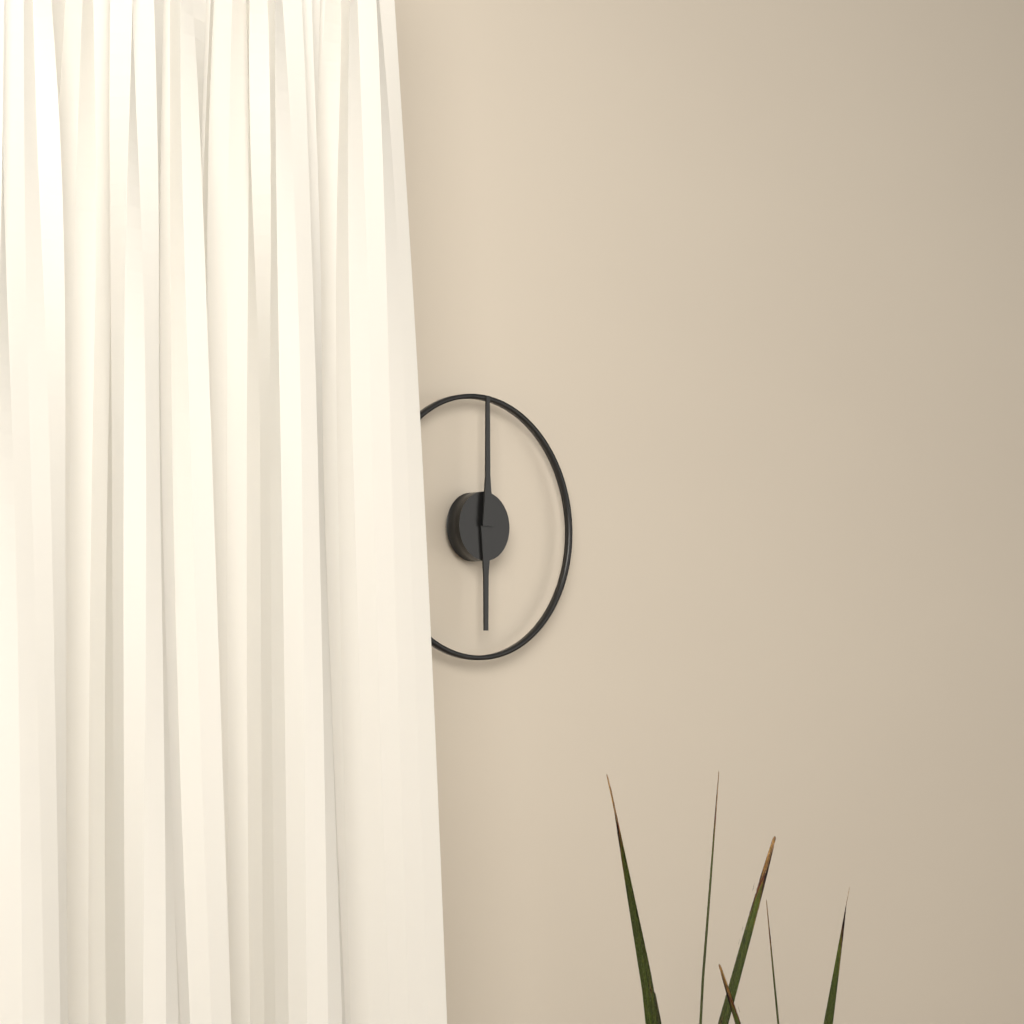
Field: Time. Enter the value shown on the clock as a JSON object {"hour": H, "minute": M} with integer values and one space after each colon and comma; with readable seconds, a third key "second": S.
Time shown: {"hour": 6, "minute": 0}
